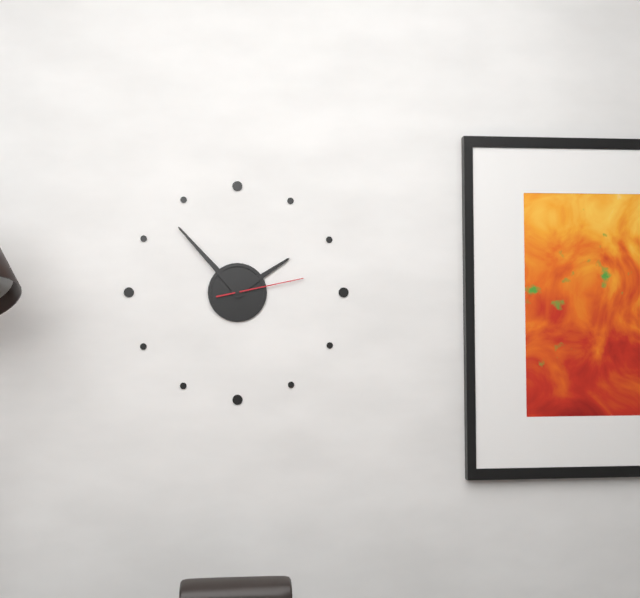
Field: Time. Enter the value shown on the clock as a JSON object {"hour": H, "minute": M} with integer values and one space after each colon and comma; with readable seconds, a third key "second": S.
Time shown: {"hour": 1, "minute": 53, "second": 13}
